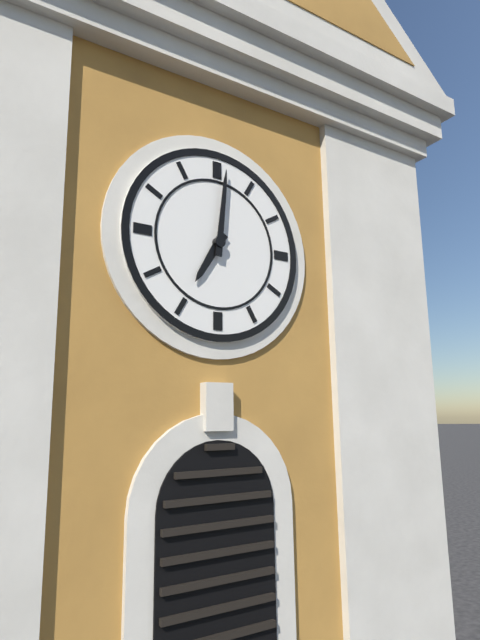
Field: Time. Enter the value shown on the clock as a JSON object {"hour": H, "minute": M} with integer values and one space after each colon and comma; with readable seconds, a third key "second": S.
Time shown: {"hour": 7, "minute": 1}
